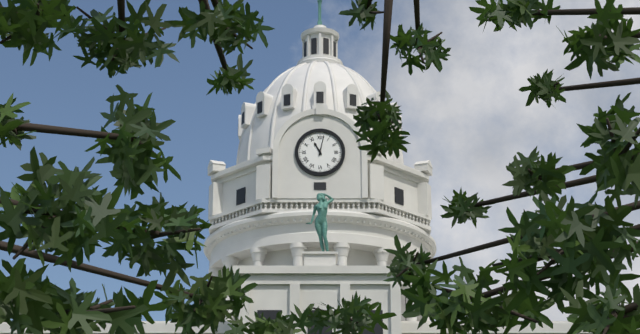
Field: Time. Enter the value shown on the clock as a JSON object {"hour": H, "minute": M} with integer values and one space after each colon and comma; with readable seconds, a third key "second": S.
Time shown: {"hour": 11, "minute": 2}
